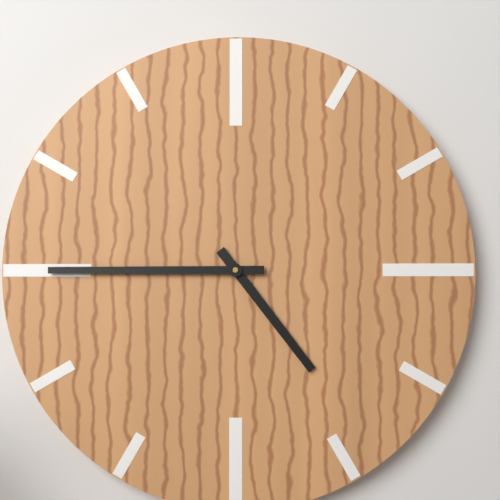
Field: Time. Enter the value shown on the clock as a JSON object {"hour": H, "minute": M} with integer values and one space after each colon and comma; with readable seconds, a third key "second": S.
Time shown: {"hour": 4, "minute": 45}
